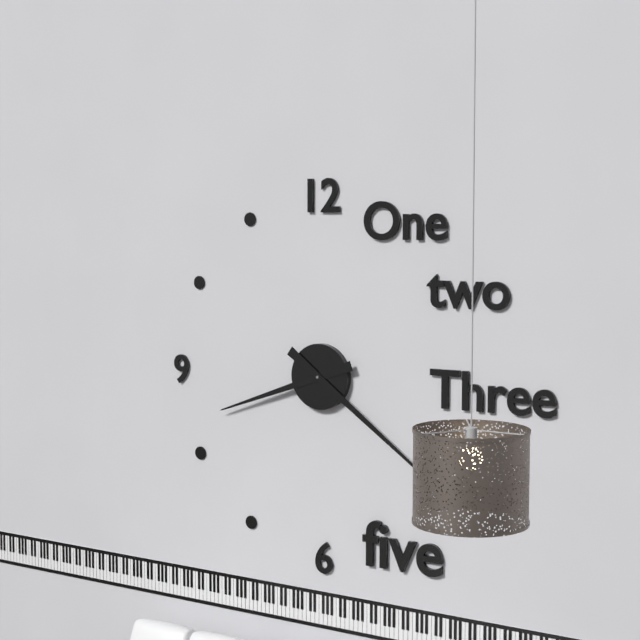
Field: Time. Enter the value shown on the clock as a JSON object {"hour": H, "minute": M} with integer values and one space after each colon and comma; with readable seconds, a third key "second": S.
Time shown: {"hour": 8, "minute": 21}
